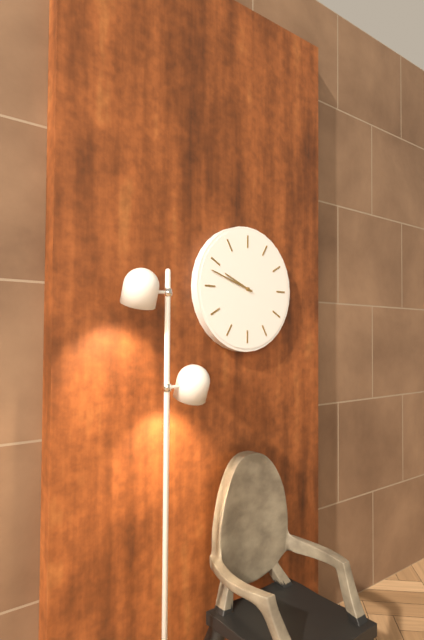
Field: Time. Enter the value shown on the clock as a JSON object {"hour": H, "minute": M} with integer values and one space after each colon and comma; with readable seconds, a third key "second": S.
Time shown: {"hour": 9, "minute": 48}
